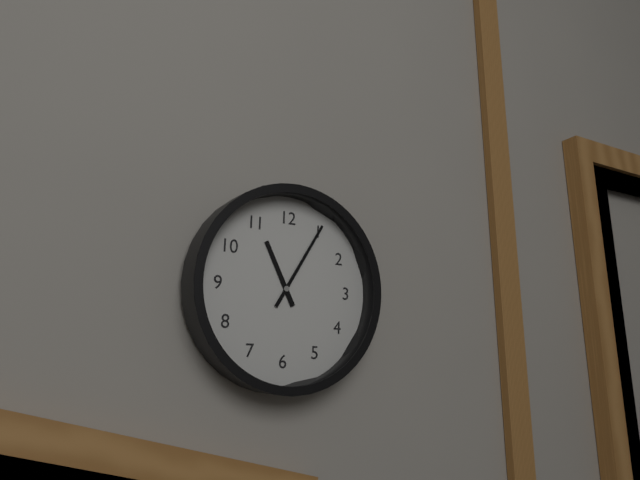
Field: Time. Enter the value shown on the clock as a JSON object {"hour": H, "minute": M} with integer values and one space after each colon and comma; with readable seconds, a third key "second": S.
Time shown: {"hour": 11, "minute": 5}
